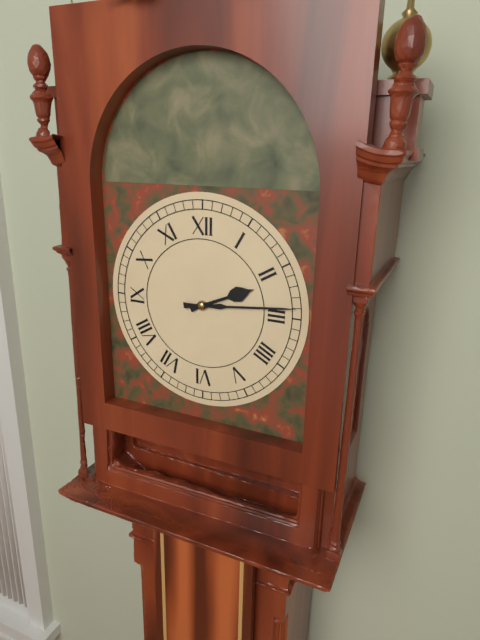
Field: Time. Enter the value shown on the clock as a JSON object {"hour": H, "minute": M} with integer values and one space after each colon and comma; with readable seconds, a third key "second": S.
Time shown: {"hour": 2, "minute": 14}
